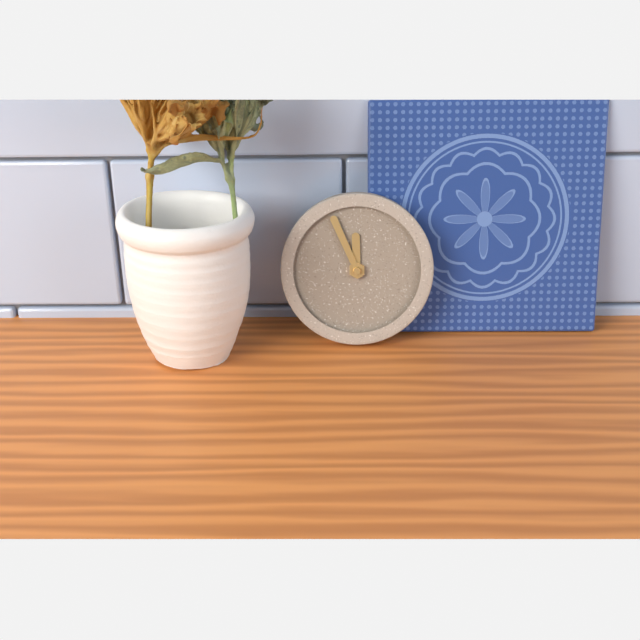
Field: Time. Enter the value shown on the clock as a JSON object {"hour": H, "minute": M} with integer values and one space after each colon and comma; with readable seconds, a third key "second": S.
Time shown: {"hour": 11, "minute": 56}
